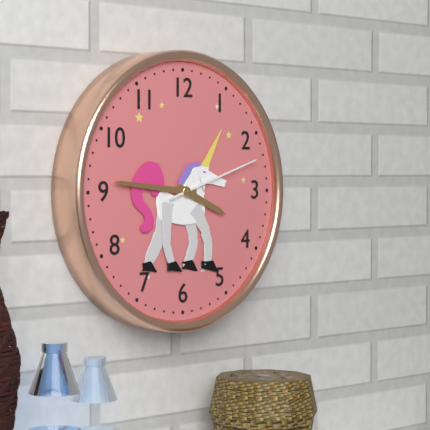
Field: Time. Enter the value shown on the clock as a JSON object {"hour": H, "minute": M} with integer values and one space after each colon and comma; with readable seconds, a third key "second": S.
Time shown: {"hour": 3, "minute": 46, "second": 12}
